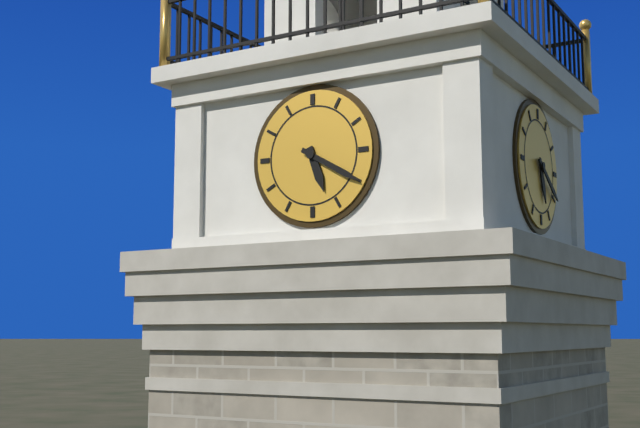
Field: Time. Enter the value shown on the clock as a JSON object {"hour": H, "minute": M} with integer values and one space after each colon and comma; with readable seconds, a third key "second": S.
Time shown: {"hour": 5, "minute": 20}
